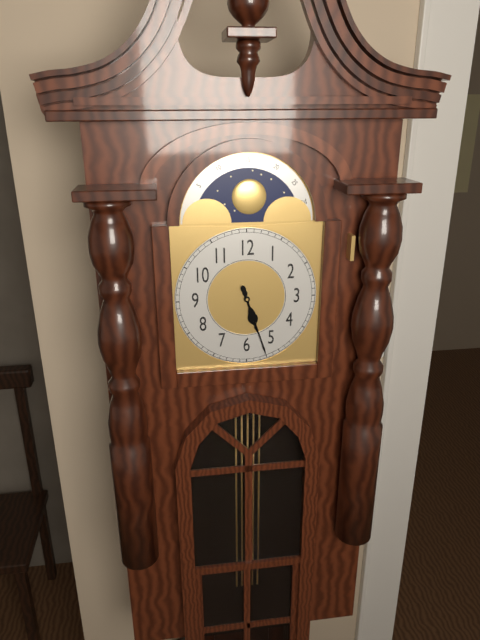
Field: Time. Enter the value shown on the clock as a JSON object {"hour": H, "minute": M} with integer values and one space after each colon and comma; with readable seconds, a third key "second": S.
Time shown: {"hour": 5, "minute": 27}
